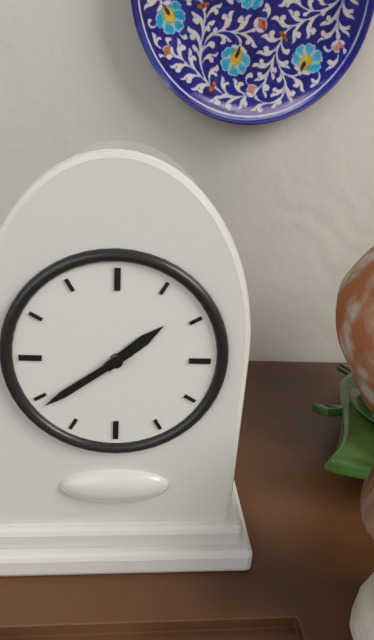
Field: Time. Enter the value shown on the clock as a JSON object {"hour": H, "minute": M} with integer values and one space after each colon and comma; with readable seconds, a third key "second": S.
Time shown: {"hour": 1, "minute": 39}
